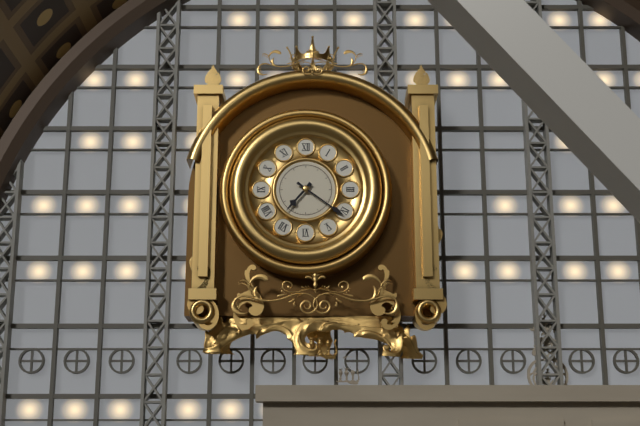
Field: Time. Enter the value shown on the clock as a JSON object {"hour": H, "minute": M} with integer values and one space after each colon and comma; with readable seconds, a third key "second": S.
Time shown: {"hour": 7, "minute": 21}
